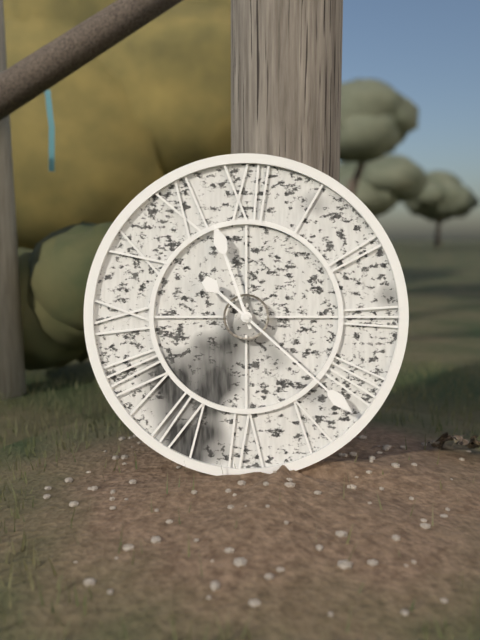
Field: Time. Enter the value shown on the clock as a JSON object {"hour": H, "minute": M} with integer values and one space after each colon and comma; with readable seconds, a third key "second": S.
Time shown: {"hour": 11, "minute": 22}
